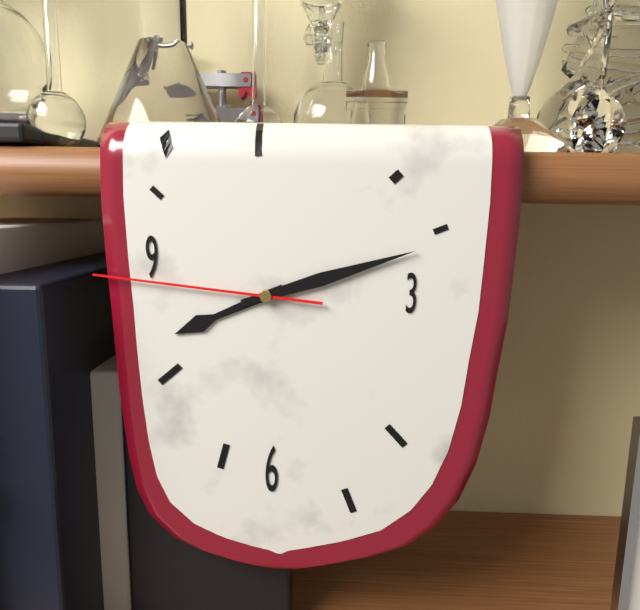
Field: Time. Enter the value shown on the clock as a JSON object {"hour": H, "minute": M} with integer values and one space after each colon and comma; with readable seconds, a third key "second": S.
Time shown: {"hour": 8, "minute": 12, "second": 46}
